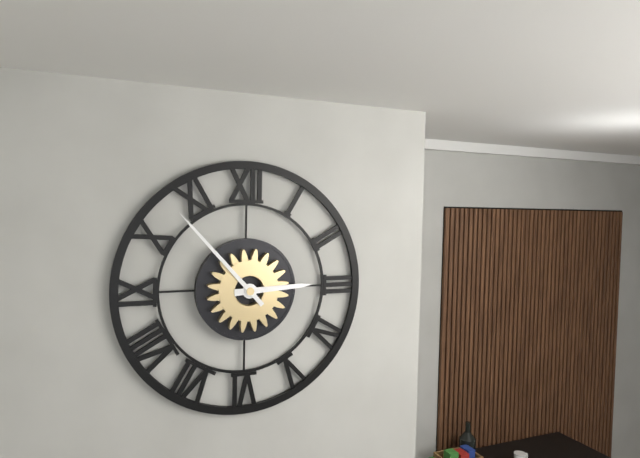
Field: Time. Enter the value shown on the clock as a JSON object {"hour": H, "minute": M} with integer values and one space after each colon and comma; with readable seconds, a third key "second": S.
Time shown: {"hour": 2, "minute": 53}
